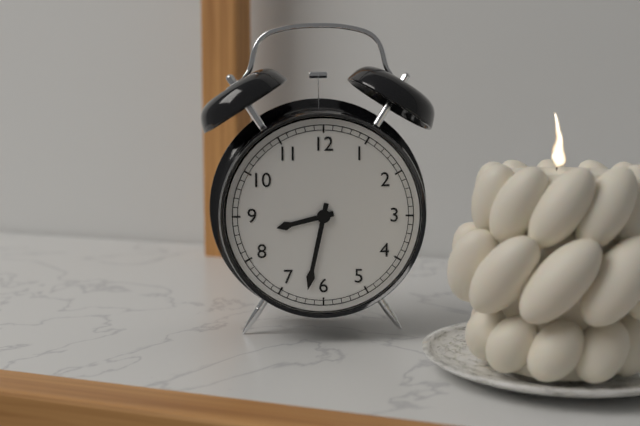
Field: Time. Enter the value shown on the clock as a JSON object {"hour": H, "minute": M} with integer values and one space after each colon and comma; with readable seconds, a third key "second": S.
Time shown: {"hour": 8, "minute": 32}
